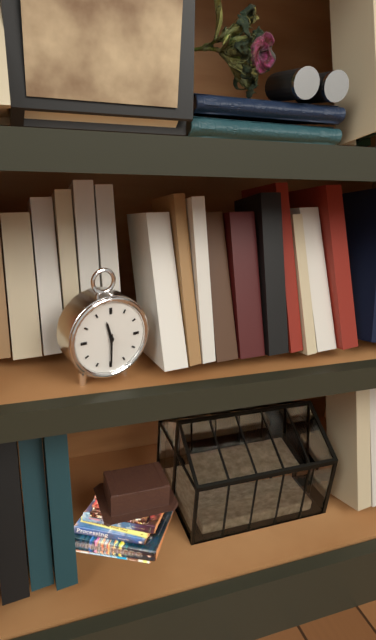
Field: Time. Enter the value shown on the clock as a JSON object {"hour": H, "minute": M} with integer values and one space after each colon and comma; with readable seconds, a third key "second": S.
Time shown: {"hour": 11, "minute": 30}
